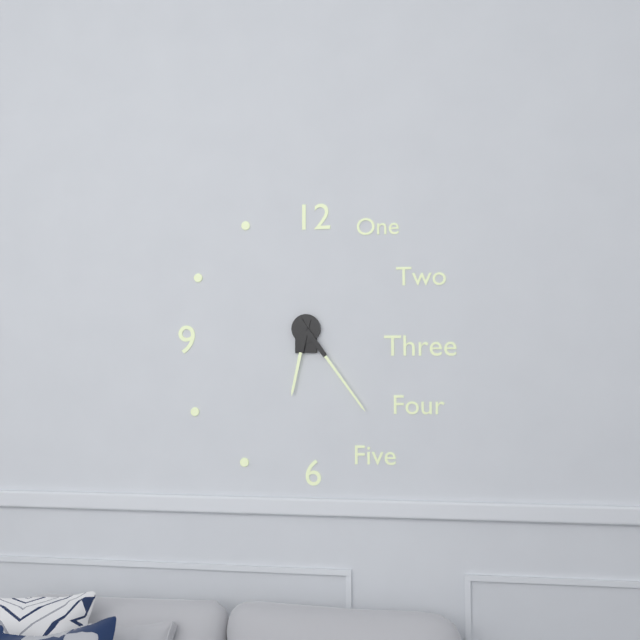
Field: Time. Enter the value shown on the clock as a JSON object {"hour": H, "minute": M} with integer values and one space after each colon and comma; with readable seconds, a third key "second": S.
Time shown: {"hour": 6, "minute": 24}
